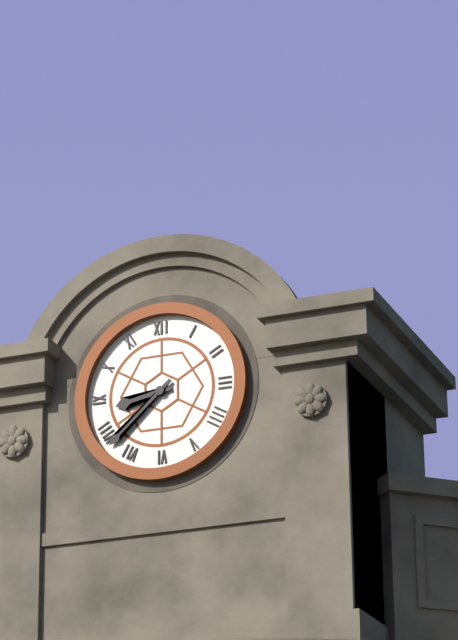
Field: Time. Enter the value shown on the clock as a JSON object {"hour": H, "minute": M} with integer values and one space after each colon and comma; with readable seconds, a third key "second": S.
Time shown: {"hour": 8, "minute": 38}
